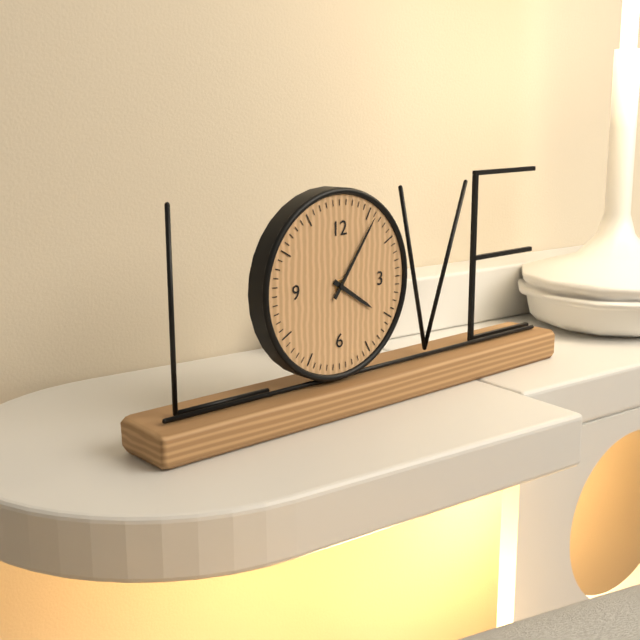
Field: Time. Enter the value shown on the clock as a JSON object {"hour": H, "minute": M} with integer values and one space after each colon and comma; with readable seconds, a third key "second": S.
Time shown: {"hour": 4, "minute": 6}
